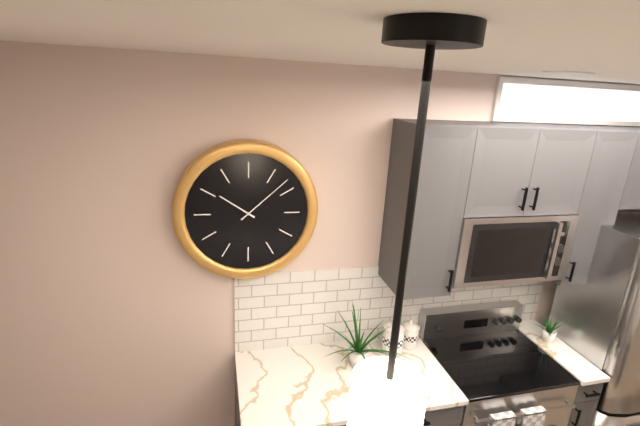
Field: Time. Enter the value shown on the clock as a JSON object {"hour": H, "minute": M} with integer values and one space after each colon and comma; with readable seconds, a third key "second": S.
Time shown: {"hour": 10, "minute": 8}
